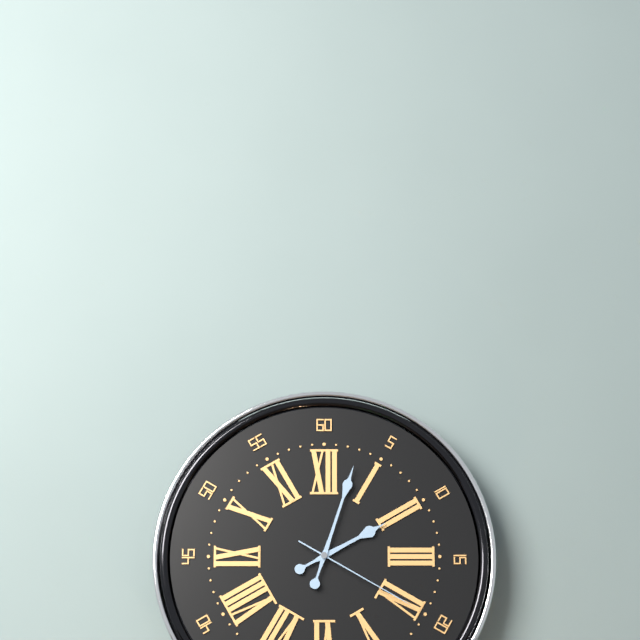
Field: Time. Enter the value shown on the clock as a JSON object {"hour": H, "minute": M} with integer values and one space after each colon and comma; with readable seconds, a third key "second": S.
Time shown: {"hour": 2, "minute": 3, "second": 20}
